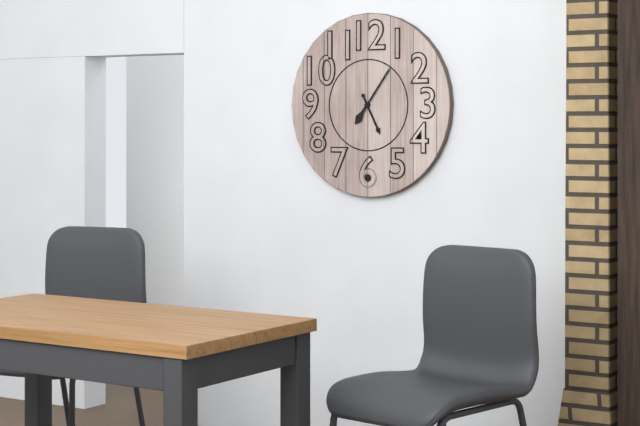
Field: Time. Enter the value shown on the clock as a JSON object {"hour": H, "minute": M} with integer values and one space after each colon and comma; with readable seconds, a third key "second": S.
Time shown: {"hour": 5, "minute": 6}
